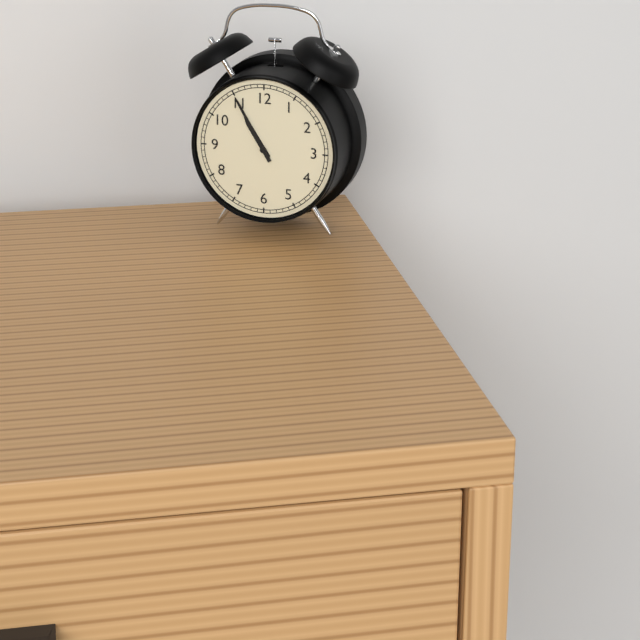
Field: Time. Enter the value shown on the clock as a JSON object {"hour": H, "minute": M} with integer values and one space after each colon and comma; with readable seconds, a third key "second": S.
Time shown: {"hour": 10, "minute": 55}
